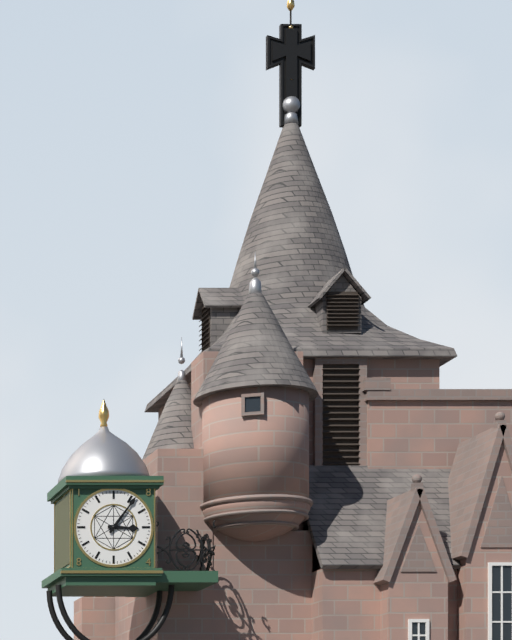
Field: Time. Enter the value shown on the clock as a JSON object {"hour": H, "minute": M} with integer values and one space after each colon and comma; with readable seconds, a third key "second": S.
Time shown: {"hour": 3, "minute": 6}
